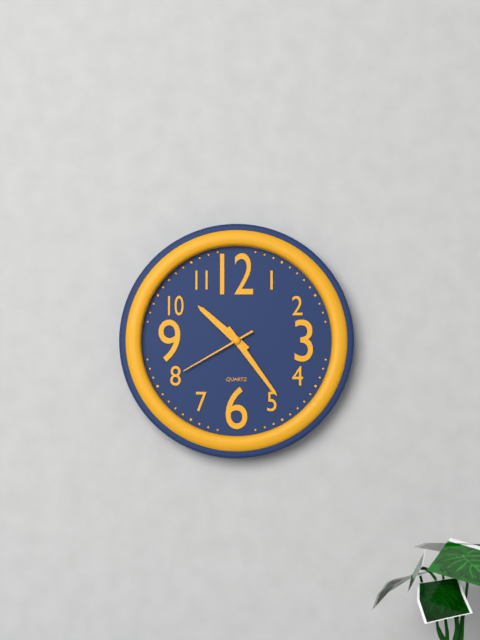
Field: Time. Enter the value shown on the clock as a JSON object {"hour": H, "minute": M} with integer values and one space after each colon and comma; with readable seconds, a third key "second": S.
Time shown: {"hour": 10, "minute": 24, "second": 40}
